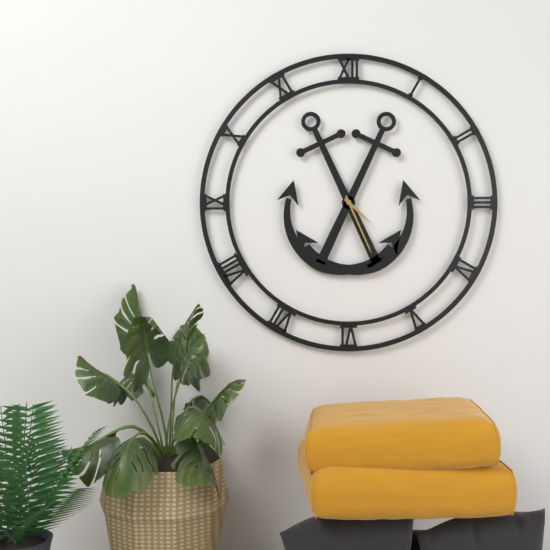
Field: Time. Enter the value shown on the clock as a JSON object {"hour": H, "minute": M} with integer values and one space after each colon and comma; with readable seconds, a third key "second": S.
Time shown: {"hour": 4, "minute": 26}
